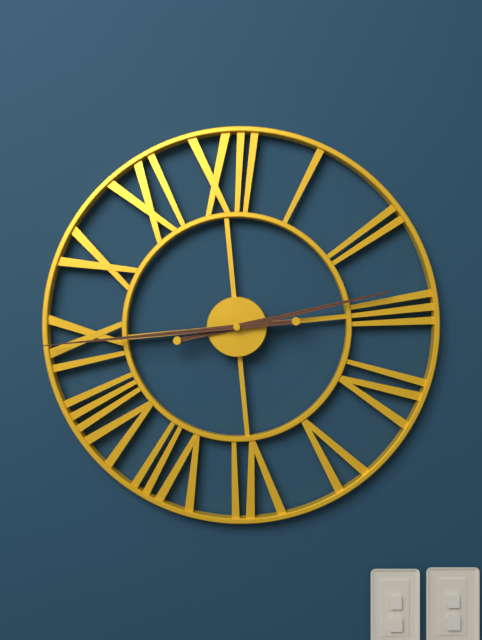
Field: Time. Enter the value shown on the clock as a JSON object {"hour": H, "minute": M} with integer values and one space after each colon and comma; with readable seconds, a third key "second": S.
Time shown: {"hour": 2, "minute": 45}
